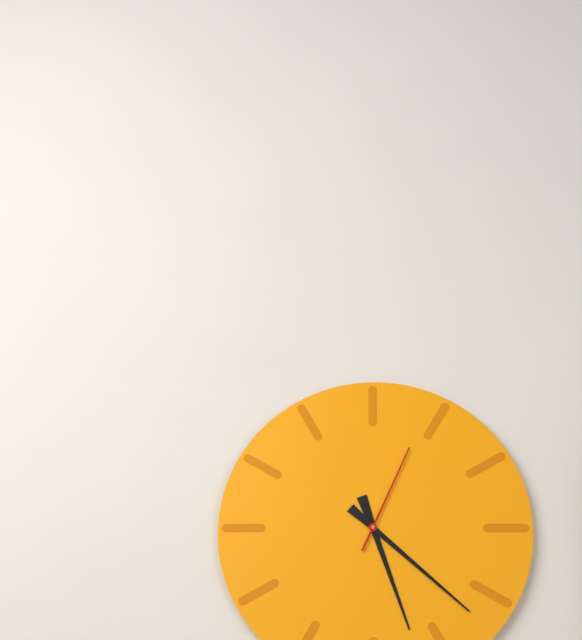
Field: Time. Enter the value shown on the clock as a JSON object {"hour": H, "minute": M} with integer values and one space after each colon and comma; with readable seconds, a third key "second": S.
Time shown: {"hour": 5, "minute": 22, "second": 4}
